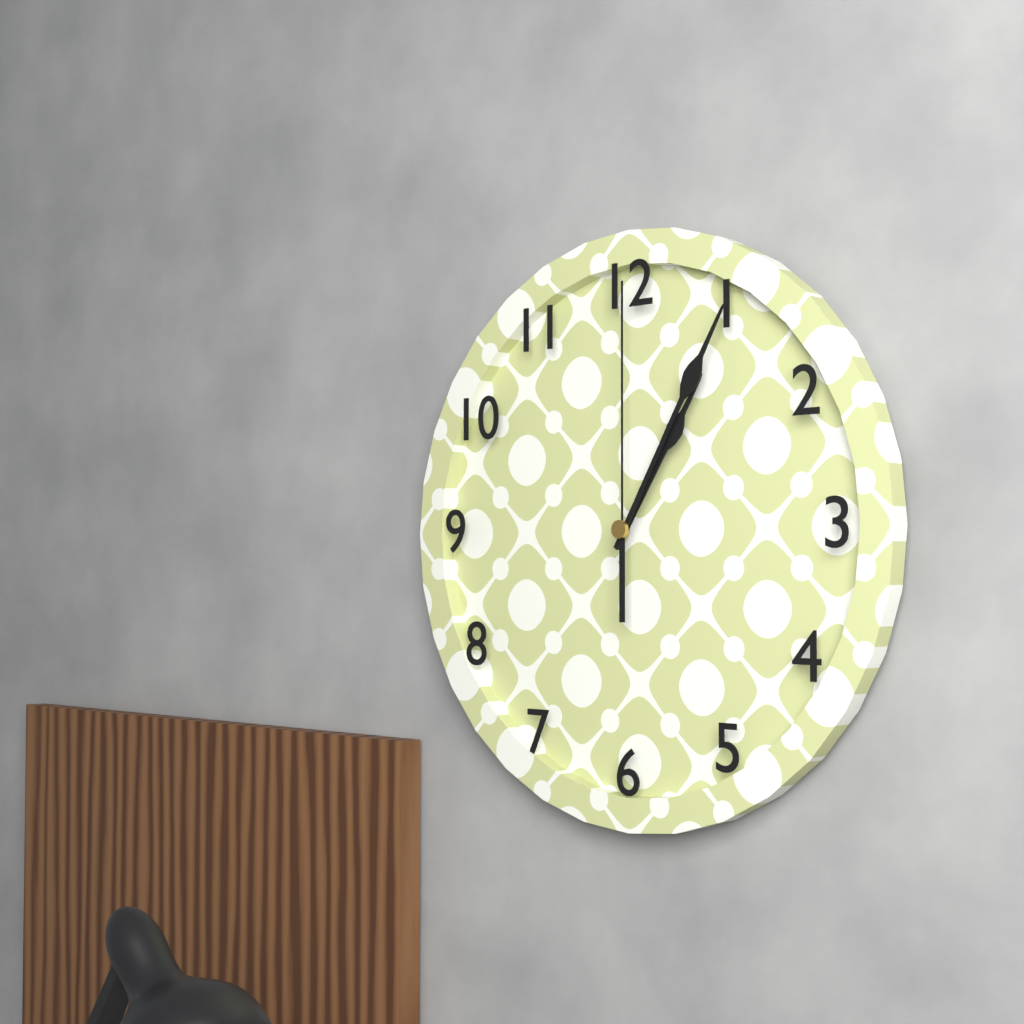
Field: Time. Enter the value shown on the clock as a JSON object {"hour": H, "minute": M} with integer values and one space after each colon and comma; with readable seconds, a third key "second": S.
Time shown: {"hour": 1, "minute": 5, "second": 0}
